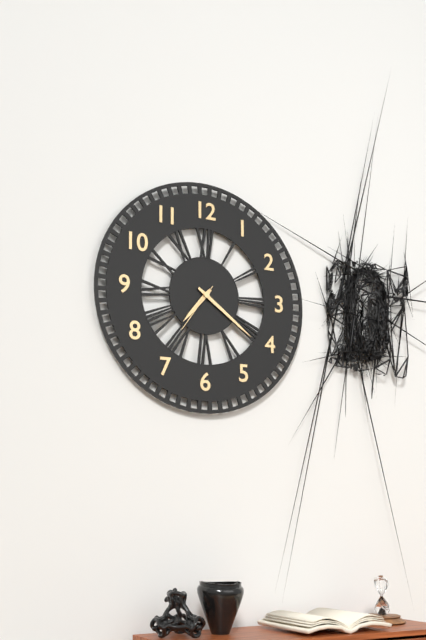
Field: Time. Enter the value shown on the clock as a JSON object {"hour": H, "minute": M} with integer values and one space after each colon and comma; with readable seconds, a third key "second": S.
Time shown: {"hour": 7, "minute": 21, "second": 36}
